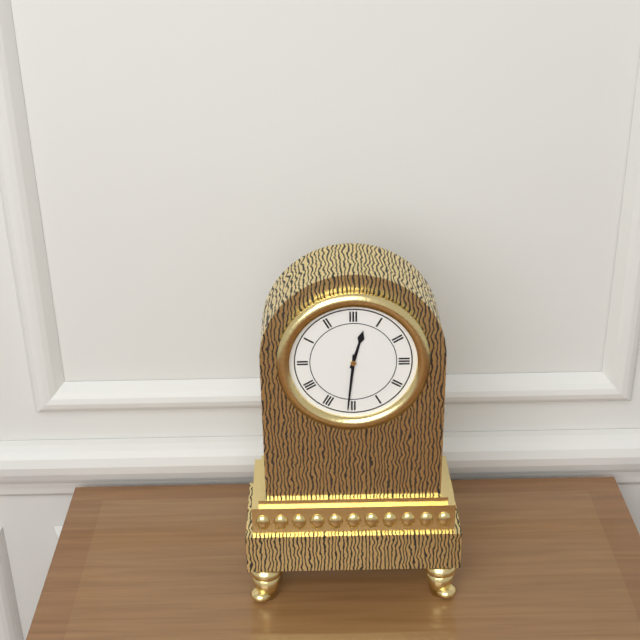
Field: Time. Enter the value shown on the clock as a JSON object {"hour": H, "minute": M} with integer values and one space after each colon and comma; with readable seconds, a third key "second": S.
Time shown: {"hour": 12, "minute": 31}
